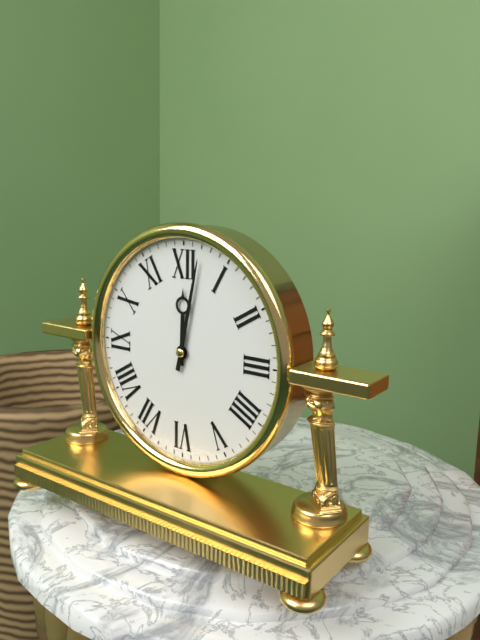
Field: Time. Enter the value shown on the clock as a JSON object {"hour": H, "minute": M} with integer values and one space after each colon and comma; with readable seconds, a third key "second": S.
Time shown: {"hour": 12, "minute": 2}
